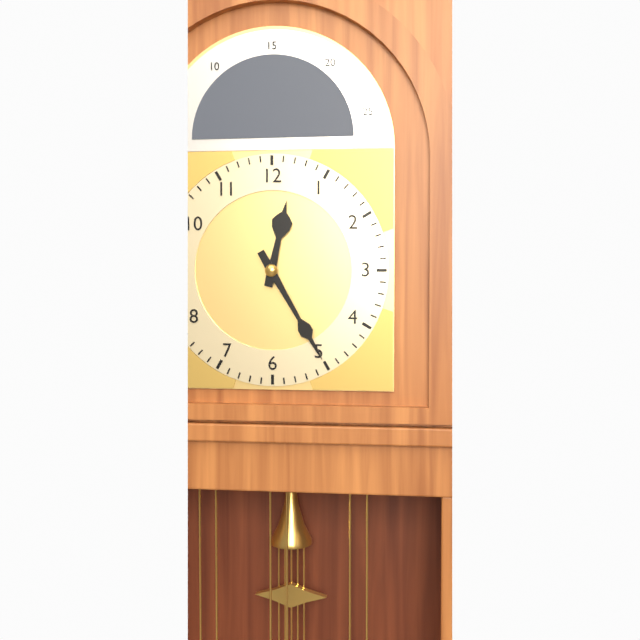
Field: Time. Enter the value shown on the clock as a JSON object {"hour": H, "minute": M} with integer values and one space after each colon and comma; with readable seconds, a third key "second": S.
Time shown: {"hour": 12, "minute": 25}
